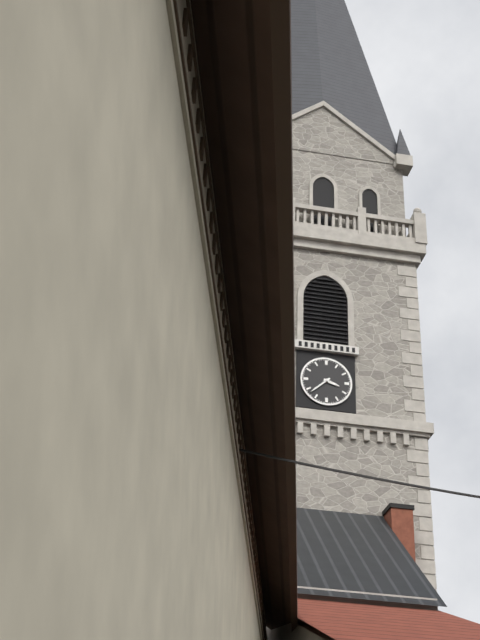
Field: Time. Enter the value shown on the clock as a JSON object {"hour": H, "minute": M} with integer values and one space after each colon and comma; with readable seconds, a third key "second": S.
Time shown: {"hour": 3, "minute": 38}
